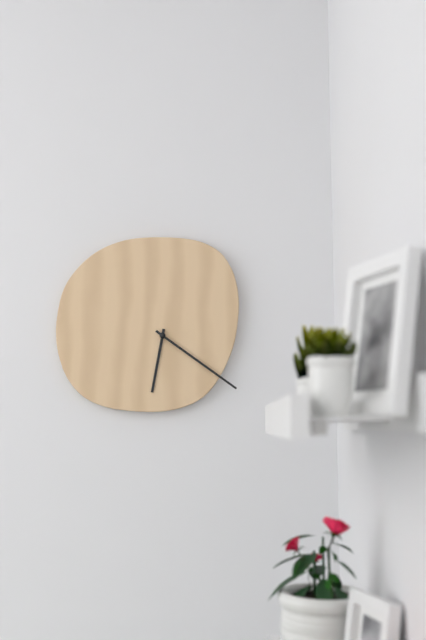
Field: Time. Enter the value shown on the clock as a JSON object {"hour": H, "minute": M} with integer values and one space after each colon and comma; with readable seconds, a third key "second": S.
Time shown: {"hour": 6, "minute": 21}
